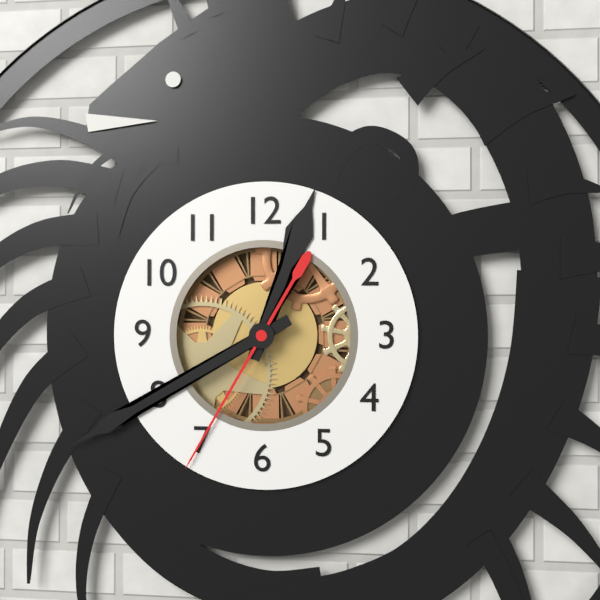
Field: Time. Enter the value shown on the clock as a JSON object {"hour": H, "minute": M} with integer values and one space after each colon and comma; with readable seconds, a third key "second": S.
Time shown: {"hour": 12, "minute": 40, "second": 35}
